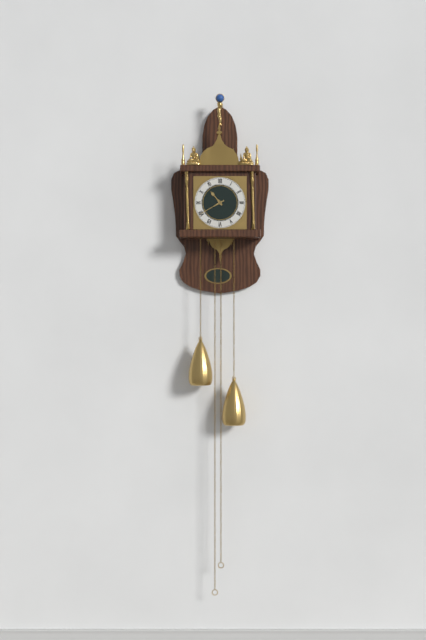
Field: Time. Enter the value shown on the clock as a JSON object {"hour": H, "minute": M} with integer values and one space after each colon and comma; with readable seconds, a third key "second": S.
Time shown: {"hour": 10, "minute": 40}
